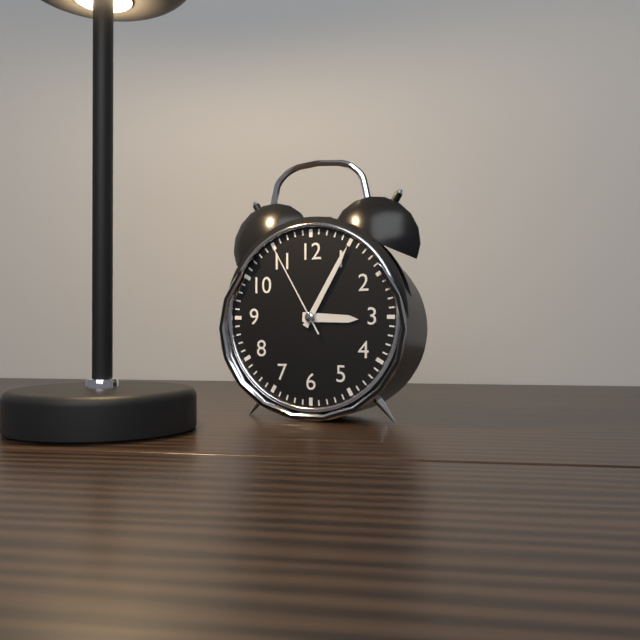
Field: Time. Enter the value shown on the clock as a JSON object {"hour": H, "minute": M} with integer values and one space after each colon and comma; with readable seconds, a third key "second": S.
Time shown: {"hour": 3, "minute": 5, "second": 55}
